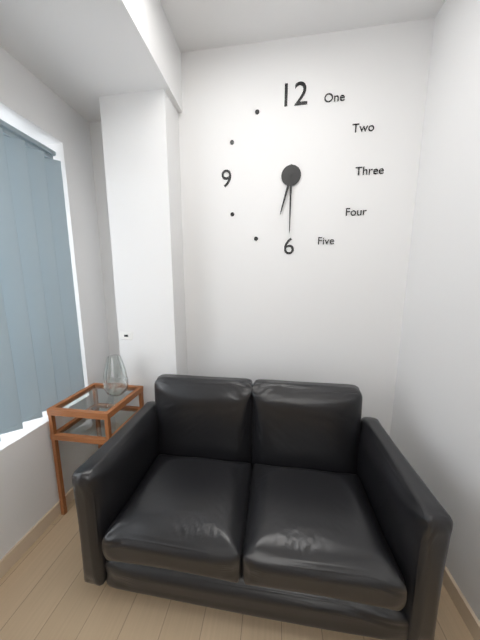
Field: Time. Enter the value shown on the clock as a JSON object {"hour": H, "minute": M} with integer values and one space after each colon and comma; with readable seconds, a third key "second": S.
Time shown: {"hour": 6, "minute": 30}
